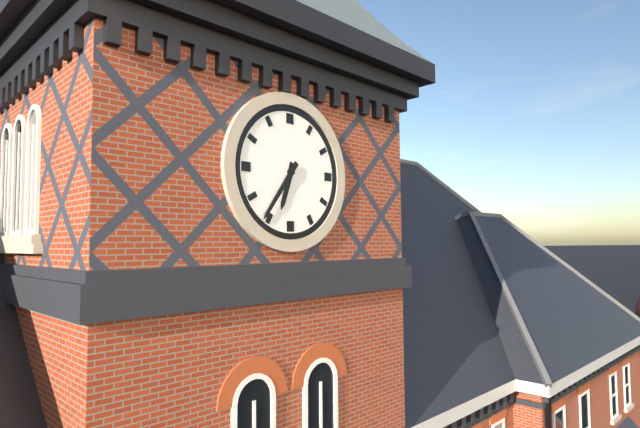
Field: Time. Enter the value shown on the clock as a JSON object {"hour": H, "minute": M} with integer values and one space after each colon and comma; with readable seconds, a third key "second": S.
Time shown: {"hour": 6, "minute": 36}
